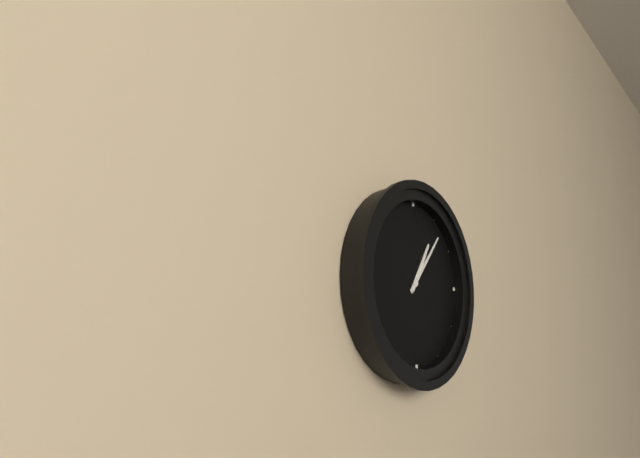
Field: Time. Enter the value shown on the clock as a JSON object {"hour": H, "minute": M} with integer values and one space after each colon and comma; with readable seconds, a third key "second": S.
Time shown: {"hour": 1, "minute": 7}
